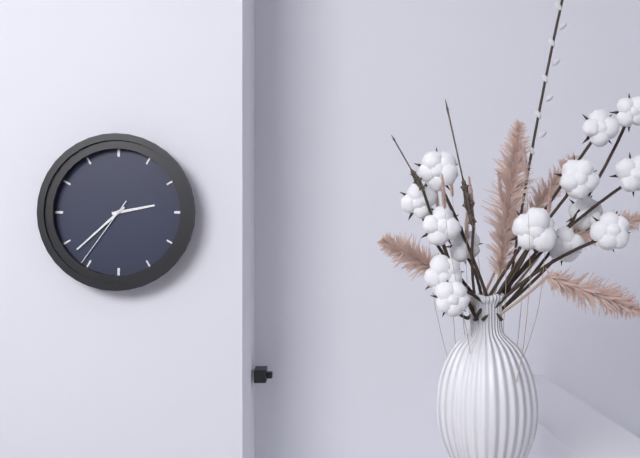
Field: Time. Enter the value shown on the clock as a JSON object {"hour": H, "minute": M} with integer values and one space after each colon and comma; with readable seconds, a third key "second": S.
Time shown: {"hour": 2, "minute": 38, "second": 36}
